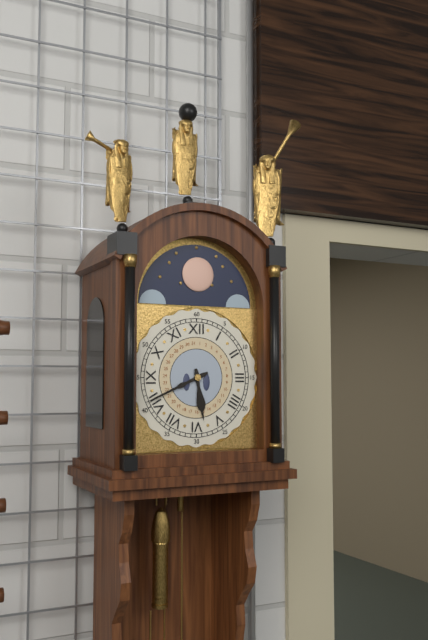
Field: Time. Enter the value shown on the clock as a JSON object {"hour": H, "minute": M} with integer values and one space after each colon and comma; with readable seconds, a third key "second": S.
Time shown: {"hour": 5, "minute": 41}
